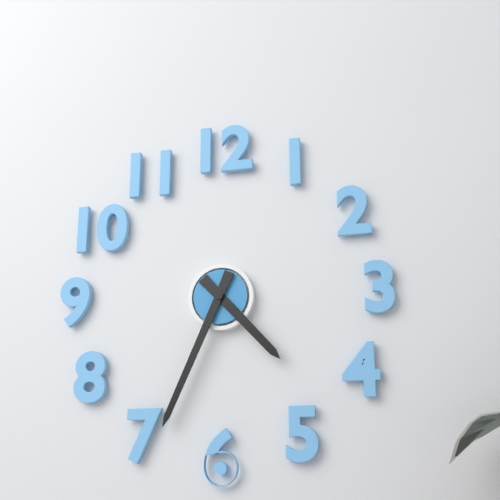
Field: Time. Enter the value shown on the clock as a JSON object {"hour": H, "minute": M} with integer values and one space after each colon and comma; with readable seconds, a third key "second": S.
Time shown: {"hour": 4, "minute": 34}
